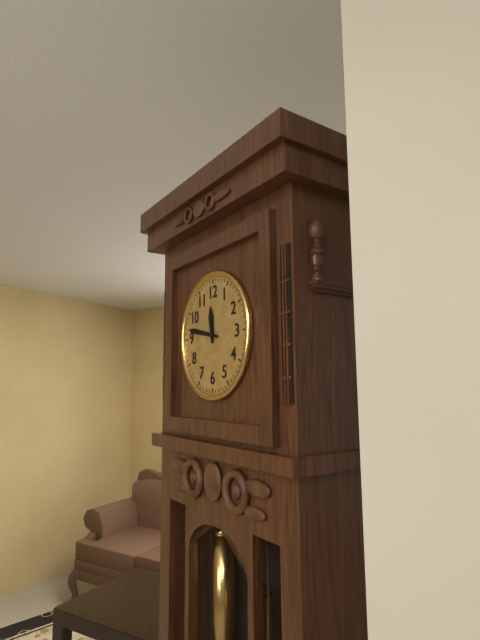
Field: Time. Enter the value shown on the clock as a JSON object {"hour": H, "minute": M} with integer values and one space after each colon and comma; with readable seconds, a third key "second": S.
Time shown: {"hour": 11, "minute": 47}
